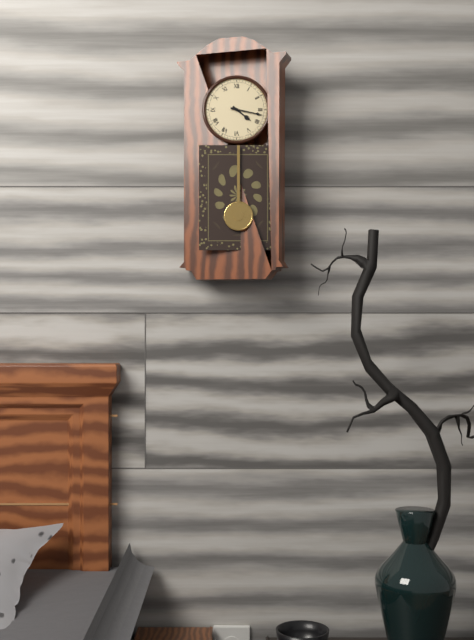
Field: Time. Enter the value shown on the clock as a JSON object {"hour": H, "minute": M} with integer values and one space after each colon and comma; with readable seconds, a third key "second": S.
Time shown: {"hour": 4, "minute": 17}
